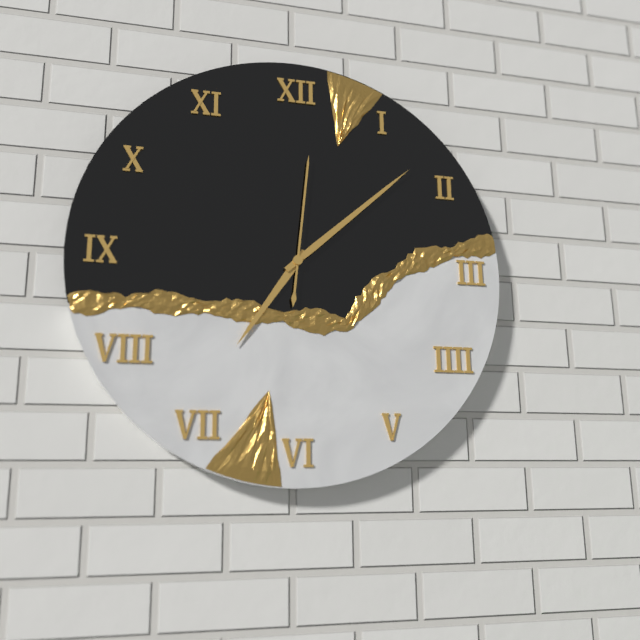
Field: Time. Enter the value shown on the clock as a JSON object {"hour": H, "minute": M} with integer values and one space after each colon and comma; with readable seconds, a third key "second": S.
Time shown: {"hour": 7, "minute": 8, "second": 1}
